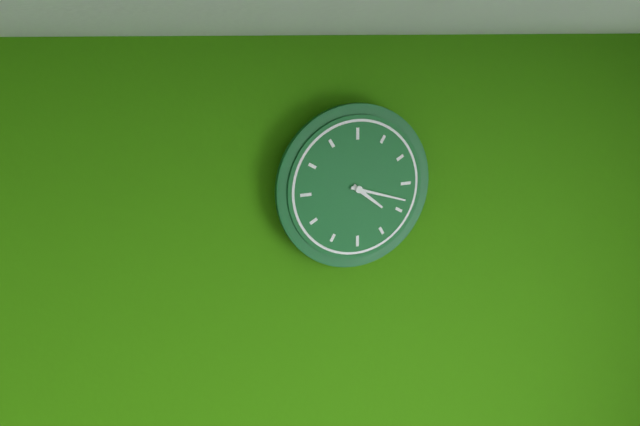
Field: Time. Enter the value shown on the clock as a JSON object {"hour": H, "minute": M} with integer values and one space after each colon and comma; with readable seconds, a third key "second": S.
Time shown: {"hour": 4, "minute": 18}
